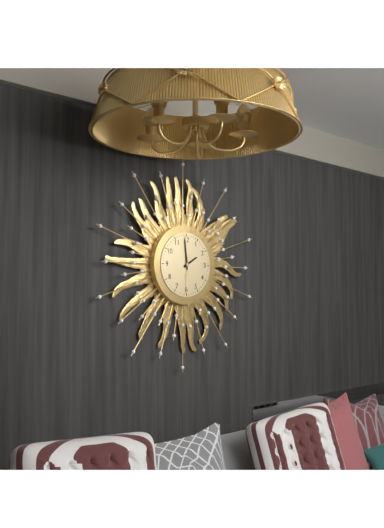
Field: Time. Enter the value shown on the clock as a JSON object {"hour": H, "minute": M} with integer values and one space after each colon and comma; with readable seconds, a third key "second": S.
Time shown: {"hour": 1, "minute": 59}
